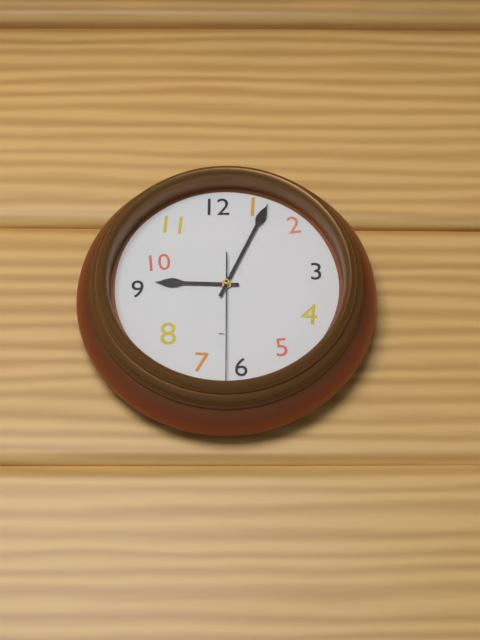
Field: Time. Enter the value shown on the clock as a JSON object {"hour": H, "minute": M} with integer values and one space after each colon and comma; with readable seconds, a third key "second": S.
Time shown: {"hour": 9, "minute": 4, "second": 30}
